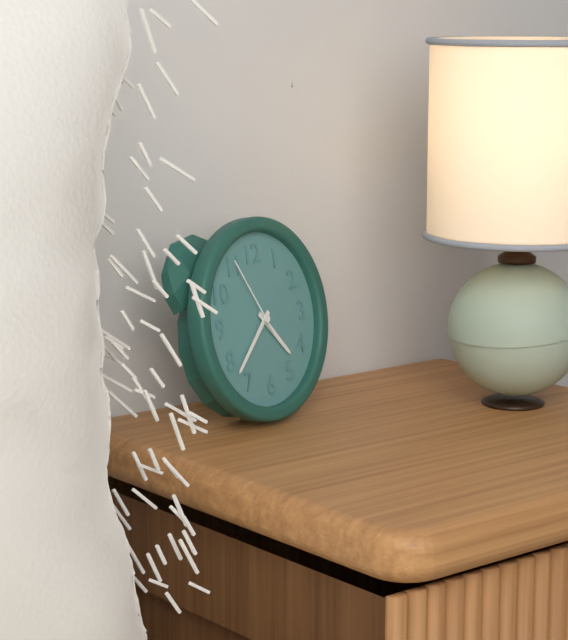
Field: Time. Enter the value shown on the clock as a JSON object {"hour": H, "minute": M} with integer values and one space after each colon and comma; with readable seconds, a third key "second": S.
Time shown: {"hour": 4, "minute": 38, "second": 55}
